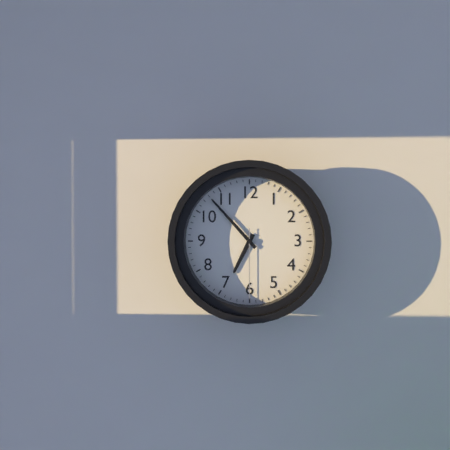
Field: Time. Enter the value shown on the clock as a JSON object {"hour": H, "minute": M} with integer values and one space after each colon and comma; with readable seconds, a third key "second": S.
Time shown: {"hour": 6, "minute": 53, "second": 30}
